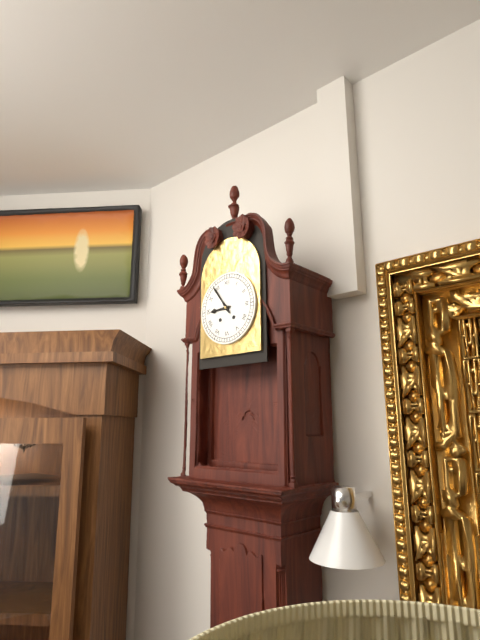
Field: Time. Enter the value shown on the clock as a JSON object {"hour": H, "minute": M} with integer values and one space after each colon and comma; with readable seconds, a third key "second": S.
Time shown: {"hour": 8, "minute": 54}
